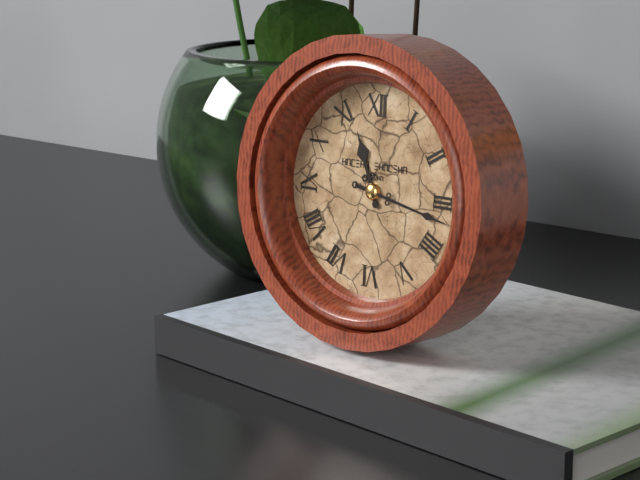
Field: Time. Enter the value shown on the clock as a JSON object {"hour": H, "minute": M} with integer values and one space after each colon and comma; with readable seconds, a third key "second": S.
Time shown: {"hour": 11, "minute": 17}
